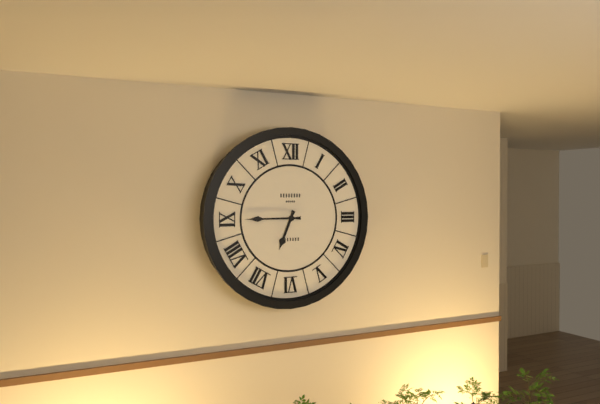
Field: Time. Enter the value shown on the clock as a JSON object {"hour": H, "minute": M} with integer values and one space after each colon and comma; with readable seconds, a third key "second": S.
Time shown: {"hour": 6, "minute": 45}
